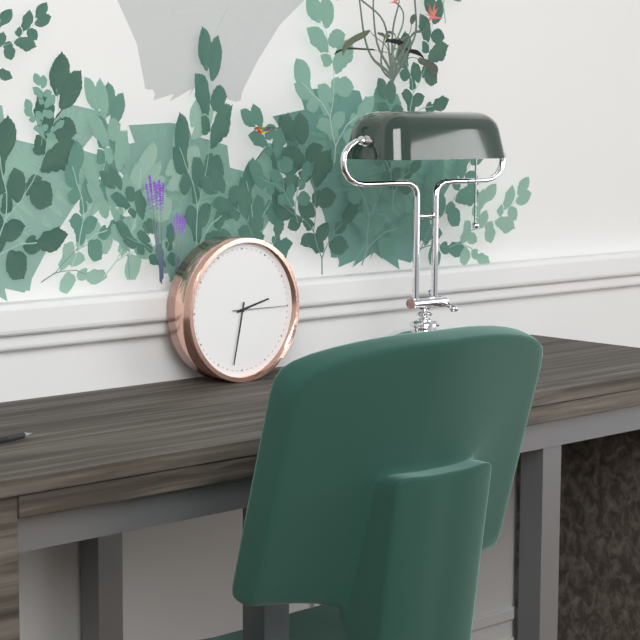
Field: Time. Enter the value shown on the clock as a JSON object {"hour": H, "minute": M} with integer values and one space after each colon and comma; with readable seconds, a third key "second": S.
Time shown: {"hour": 2, "minute": 32, "second": 15}
